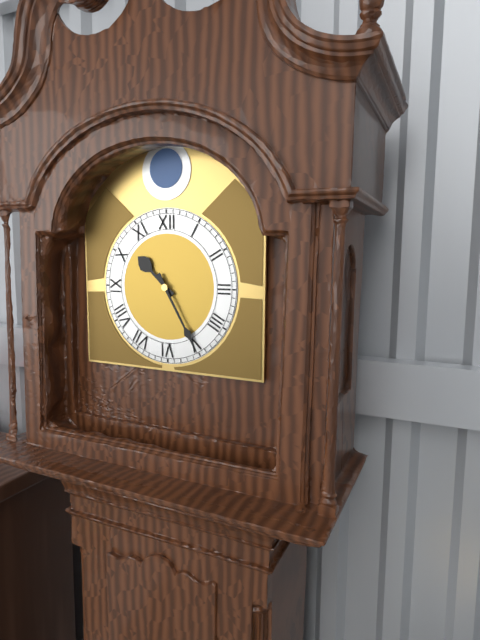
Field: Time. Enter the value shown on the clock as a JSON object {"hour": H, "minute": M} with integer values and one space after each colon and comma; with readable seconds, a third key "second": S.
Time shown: {"hour": 10, "minute": 25}
